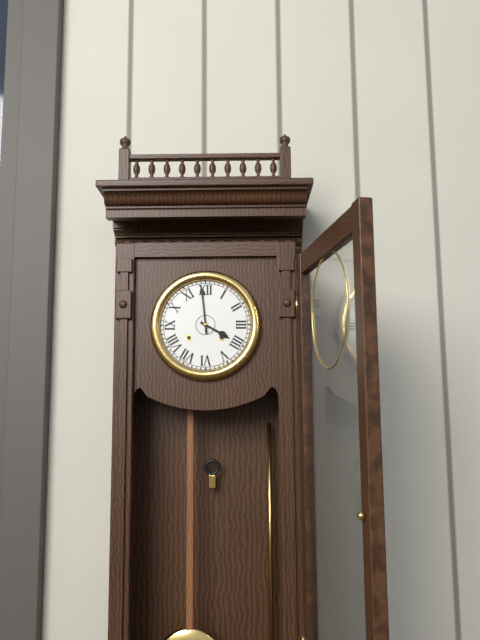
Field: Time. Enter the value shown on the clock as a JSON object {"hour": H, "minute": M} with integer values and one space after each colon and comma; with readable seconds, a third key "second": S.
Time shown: {"hour": 3, "minute": 59}
